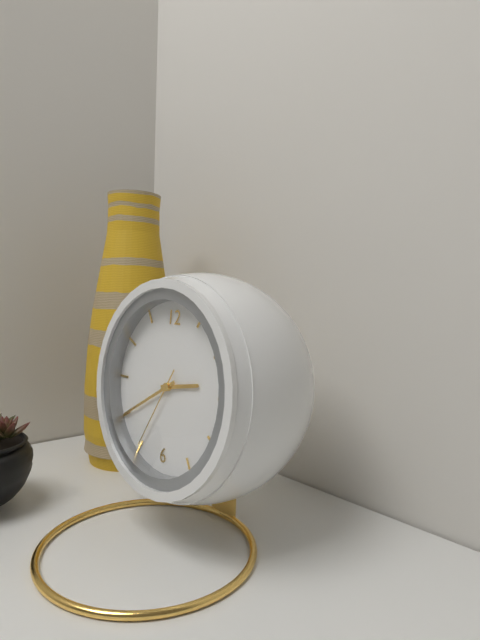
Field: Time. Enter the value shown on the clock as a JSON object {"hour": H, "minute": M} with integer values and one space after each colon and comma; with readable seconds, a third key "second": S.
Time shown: {"hour": 2, "minute": 40, "second": 35}
